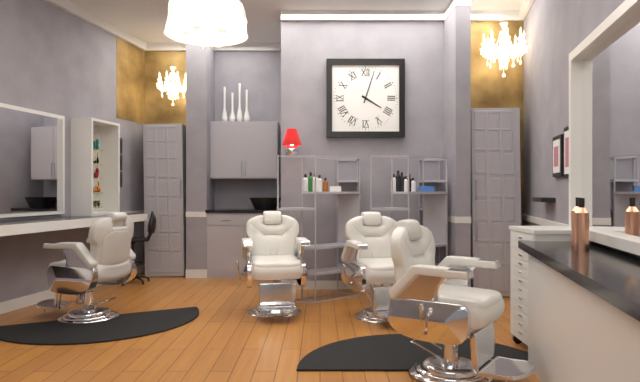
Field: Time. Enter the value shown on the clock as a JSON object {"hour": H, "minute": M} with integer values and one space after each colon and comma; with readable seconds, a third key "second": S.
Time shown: {"hour": 4, "minute": 3}
